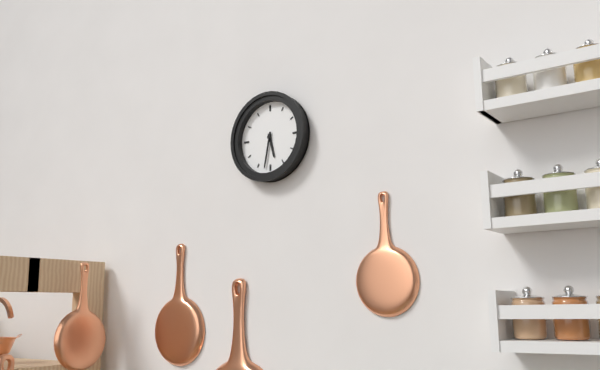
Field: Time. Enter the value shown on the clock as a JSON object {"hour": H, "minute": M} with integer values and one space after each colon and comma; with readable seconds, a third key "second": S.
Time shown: {"hour": 5, "minute": 32}
